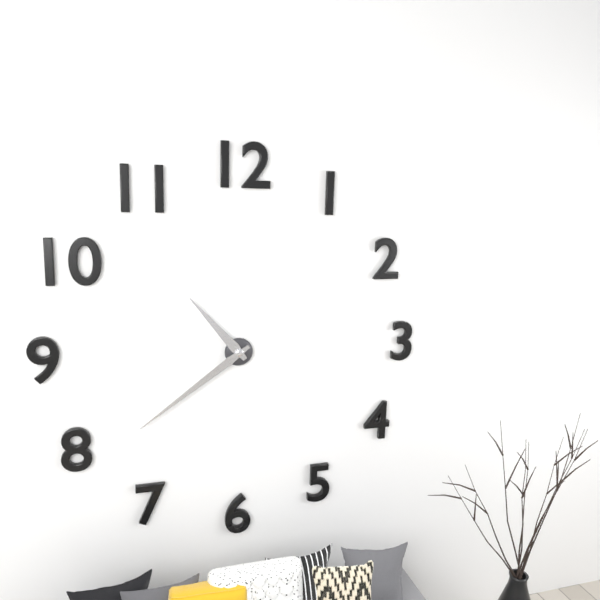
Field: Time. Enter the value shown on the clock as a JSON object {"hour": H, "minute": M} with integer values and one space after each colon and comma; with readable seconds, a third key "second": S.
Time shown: {"hour": 10, "minute": 39}
